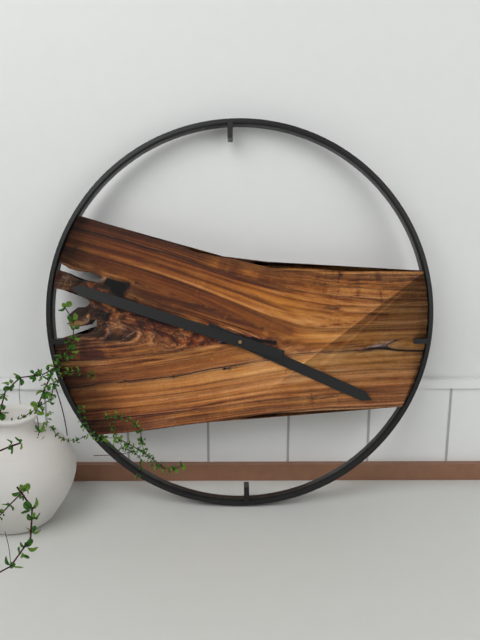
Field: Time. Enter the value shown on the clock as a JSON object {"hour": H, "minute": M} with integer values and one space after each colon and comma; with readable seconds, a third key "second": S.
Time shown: {"hour": 3, "minute": 48}
